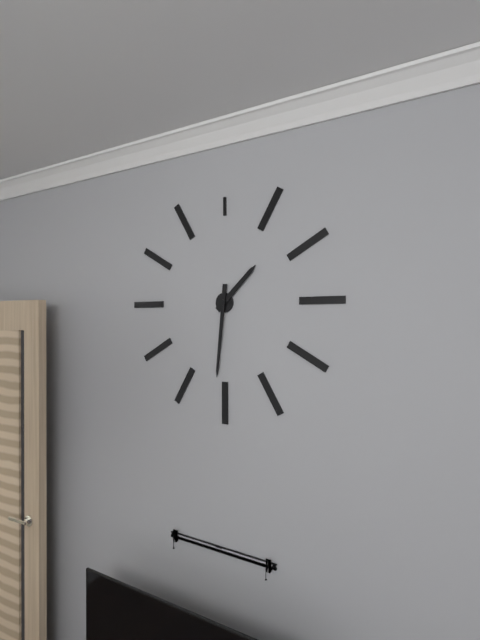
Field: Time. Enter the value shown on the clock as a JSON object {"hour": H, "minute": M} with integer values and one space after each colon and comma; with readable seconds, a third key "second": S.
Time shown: {"hour": 1, "minute": 31}
